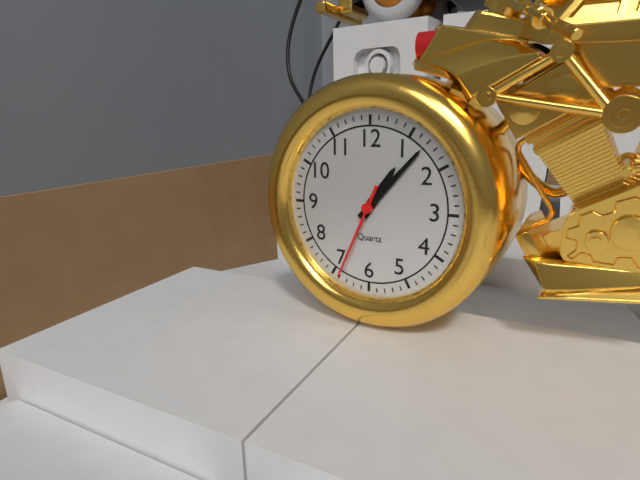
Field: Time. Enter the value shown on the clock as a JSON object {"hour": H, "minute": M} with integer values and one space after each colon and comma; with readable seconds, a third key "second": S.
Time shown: {"hour": 1, "minute": 7, "second": 34}
